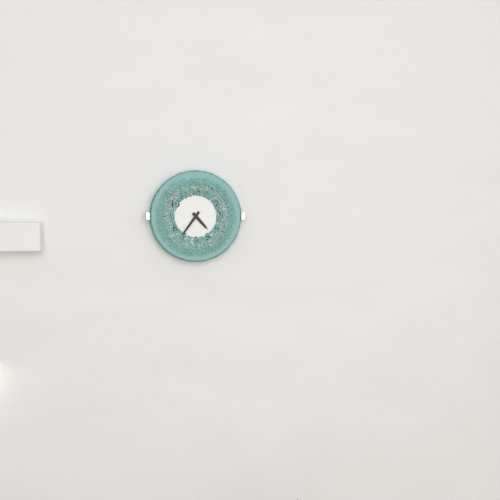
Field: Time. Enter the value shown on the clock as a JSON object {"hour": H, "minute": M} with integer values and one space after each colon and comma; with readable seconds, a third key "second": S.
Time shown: {"hour": 4, "minute": 36}
